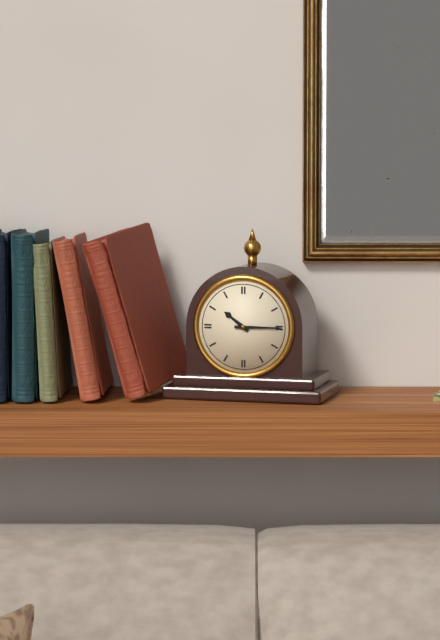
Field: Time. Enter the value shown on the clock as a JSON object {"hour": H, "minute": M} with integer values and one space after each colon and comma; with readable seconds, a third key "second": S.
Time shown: {"hour": 10, "minute": 15}
